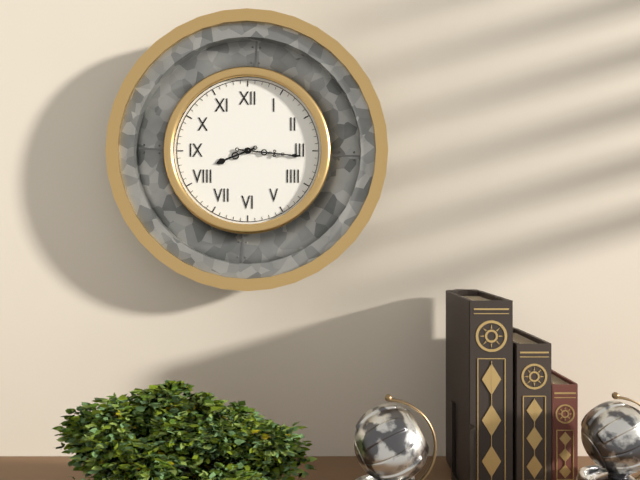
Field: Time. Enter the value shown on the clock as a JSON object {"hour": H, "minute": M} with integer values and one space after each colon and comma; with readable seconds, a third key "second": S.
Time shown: {"hour": 8, "minute": 16}
